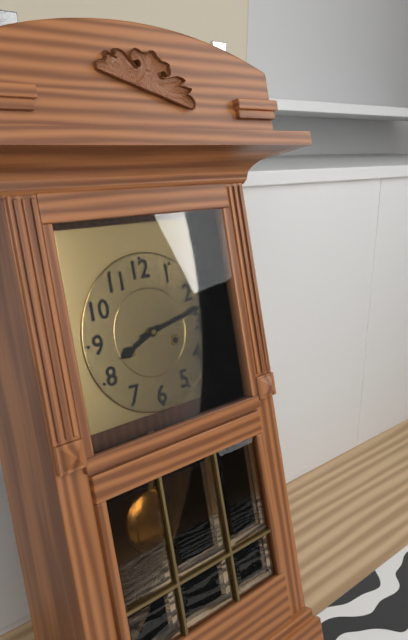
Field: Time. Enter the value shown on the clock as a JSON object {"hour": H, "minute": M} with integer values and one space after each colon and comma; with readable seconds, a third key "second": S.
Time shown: {"hour": 8, "minute": 13}
